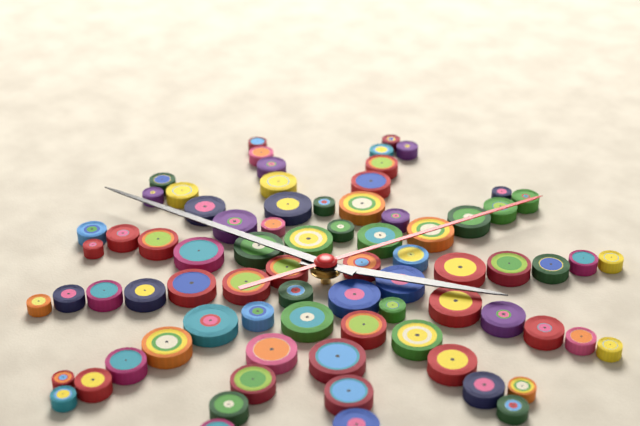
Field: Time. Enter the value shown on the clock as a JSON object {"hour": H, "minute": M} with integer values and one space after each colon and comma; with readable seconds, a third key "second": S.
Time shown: {"hour": 1, "minute": 41, "second": 1}
